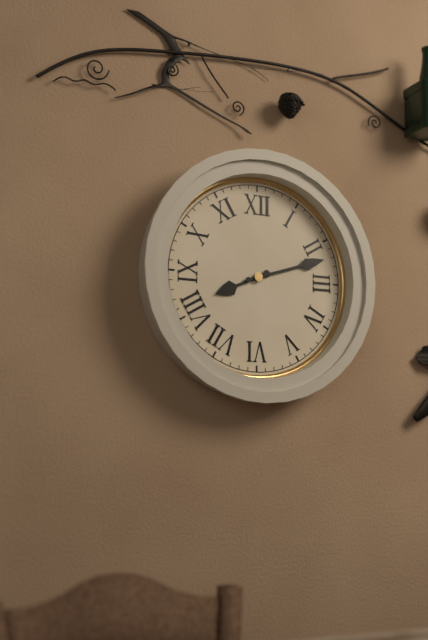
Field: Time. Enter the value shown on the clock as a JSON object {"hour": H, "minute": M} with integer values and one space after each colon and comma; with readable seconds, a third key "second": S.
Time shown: {"hour": 8, "minute": 12}
